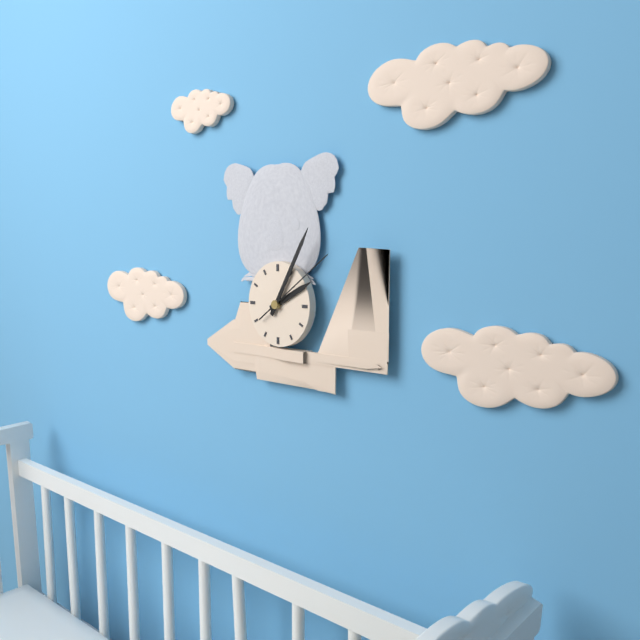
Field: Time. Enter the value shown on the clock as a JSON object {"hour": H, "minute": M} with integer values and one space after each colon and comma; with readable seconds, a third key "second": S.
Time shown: {"hour": 2, "minute": 5, "second": 9}
